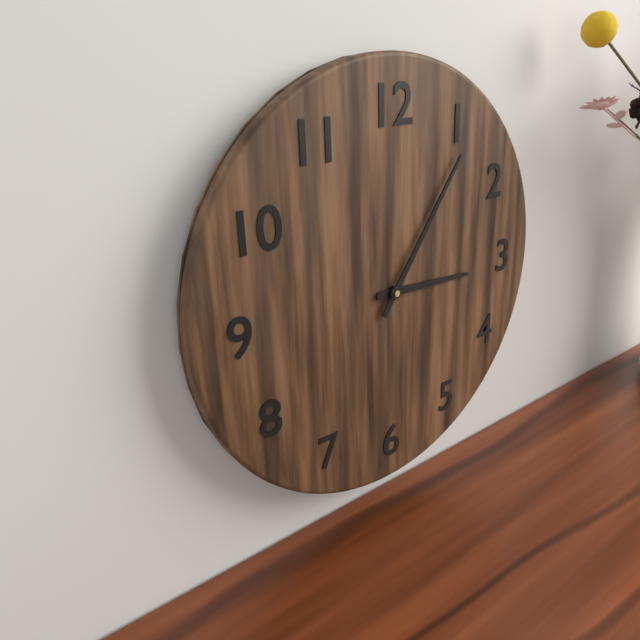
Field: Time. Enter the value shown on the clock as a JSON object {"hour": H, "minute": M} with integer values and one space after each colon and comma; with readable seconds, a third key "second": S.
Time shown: {"hour": 3, "minute": 6}
